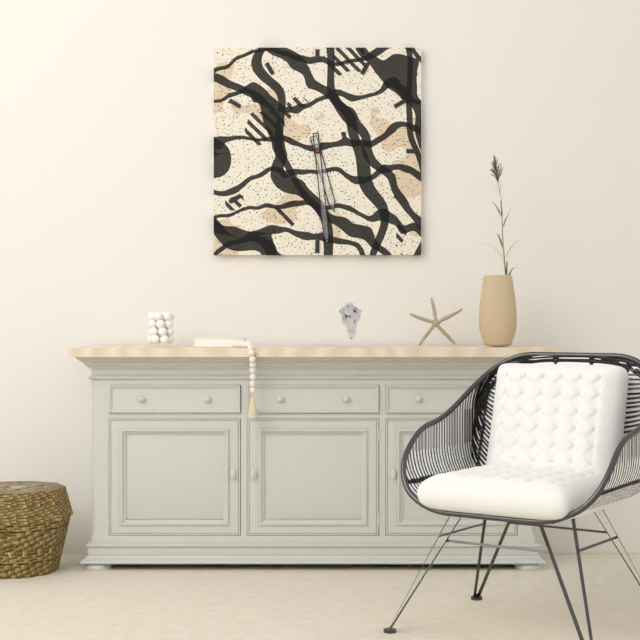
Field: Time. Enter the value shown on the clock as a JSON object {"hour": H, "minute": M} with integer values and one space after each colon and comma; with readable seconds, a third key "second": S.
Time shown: {"hour": 5, "minute": 29}
